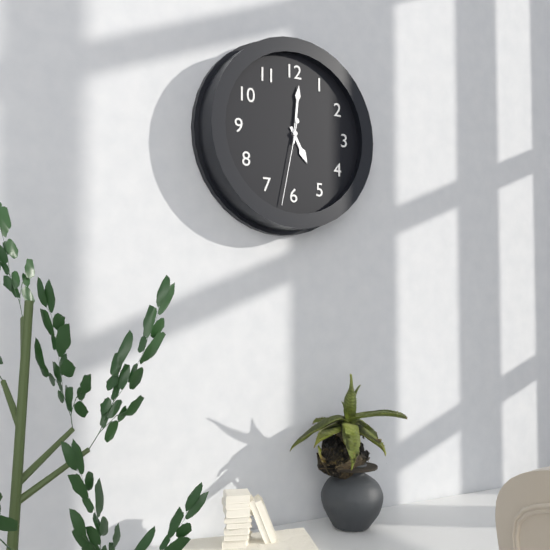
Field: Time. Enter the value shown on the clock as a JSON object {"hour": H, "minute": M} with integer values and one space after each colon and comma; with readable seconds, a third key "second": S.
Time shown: {"hour": 5, "minute": 1, "second": 32}
